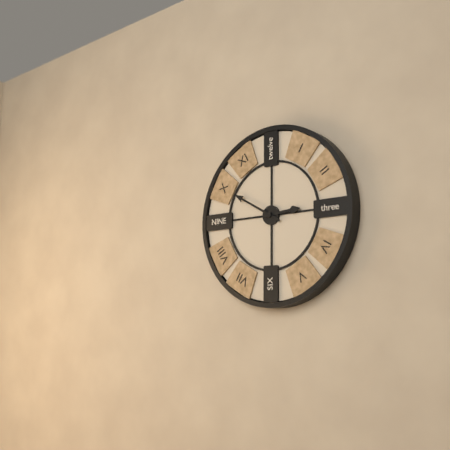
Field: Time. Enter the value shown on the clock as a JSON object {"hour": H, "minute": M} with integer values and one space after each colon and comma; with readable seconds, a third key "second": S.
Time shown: {"hour": 2, "minute": 50}
